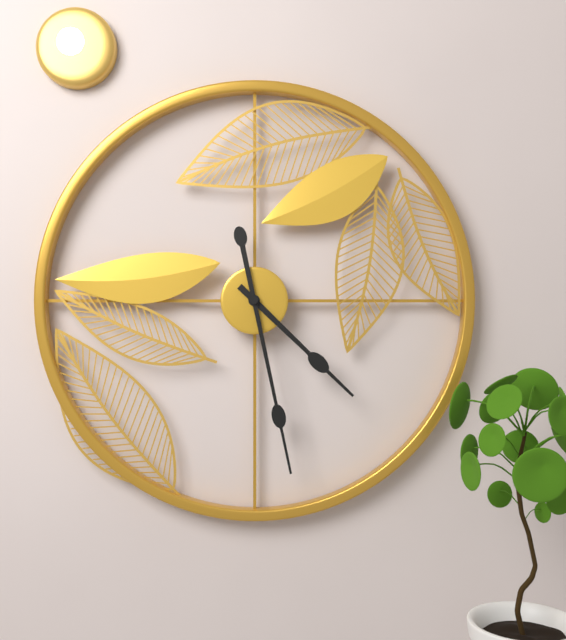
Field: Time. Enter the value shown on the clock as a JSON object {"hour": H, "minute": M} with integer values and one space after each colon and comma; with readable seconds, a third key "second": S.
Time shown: {"hour": 4, "minute": 28}
